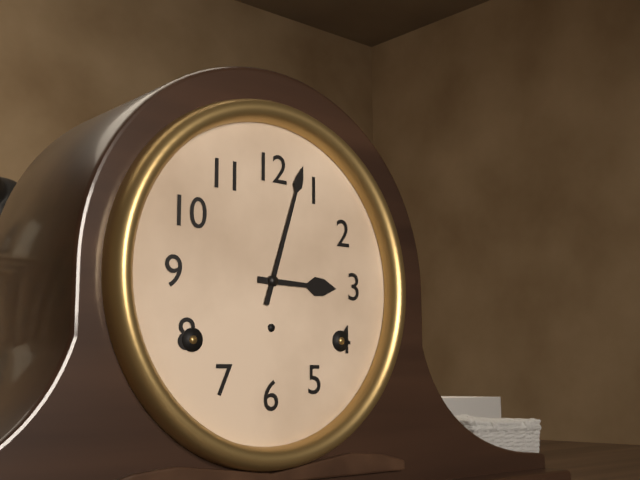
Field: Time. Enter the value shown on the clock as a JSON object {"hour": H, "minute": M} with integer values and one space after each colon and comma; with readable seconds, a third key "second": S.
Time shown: {"hour": 3, "minute": 3}
